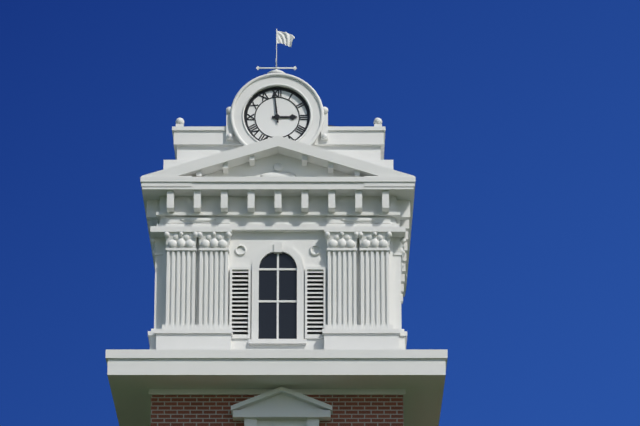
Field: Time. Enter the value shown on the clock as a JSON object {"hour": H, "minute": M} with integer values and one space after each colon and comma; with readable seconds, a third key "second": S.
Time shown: {"hour": 2, "minute": 59}
